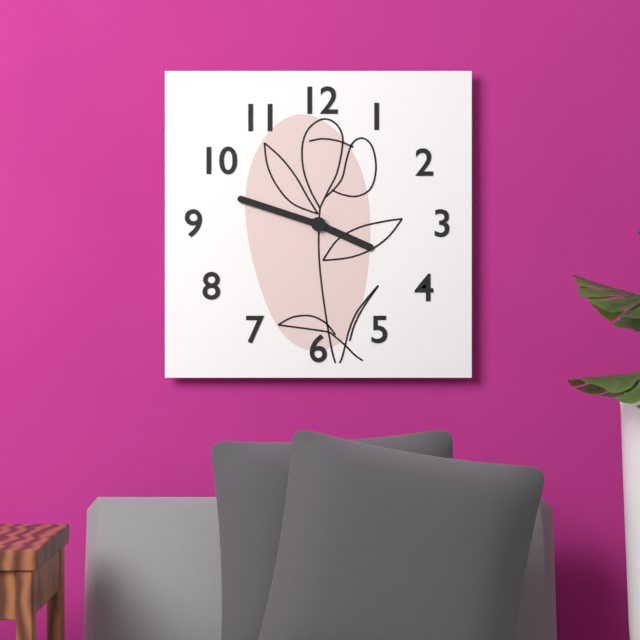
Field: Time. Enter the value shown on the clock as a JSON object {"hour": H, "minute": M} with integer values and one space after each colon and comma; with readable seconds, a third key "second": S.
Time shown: {"hour": 3, "minute": 48}
